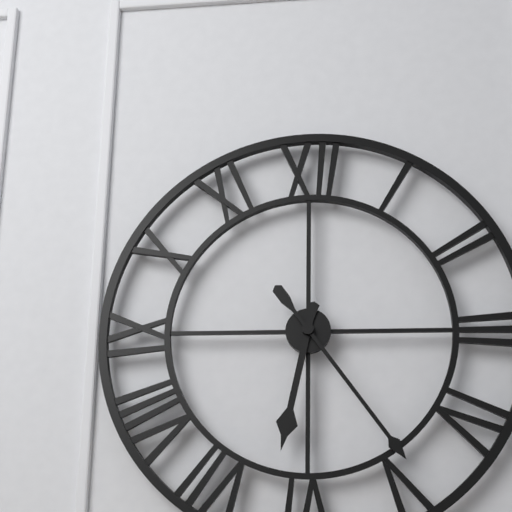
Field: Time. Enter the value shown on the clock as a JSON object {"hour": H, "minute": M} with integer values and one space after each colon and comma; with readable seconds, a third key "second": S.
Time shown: {"hour": 6, "minute": 24}
